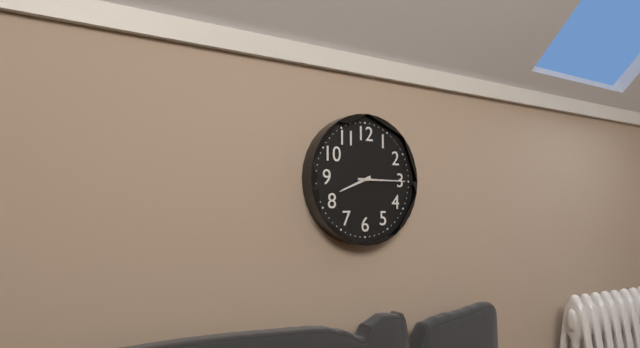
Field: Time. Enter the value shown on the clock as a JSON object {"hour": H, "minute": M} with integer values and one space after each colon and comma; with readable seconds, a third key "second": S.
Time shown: {"hour": 8, "minute": 15}
